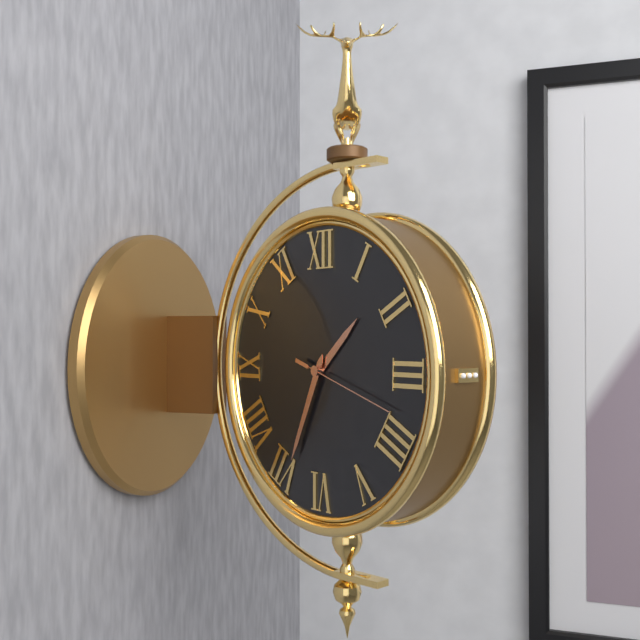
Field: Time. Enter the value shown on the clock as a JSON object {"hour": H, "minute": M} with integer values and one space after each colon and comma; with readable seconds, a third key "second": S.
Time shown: {"hour": 1, "minute": 34, "second": 18}
